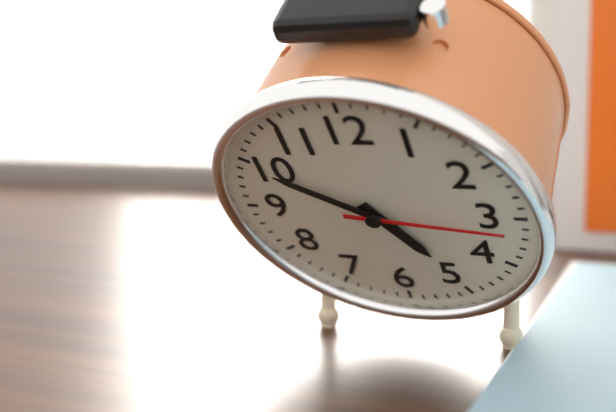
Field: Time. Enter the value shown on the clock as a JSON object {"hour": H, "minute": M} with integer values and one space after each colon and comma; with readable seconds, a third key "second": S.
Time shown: {"hour": 4, "minute": 50, "second": 16}
